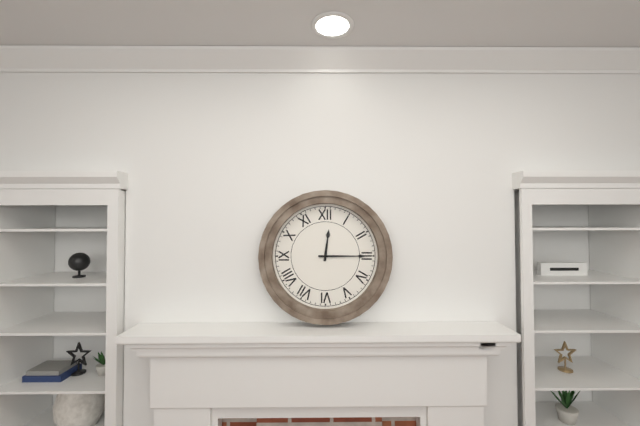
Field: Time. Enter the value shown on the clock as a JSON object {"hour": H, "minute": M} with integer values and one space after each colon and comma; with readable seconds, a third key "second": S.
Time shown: {"hour": 12, "minute": 15}
